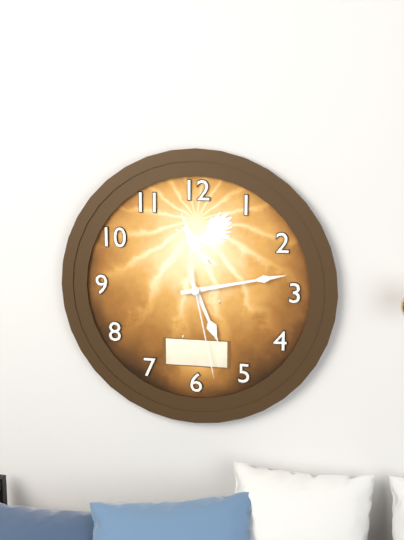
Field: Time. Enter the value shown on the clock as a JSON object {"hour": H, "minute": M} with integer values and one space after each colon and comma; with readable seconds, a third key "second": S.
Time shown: {"hour": 5, "minute": 13, "second": 28}
